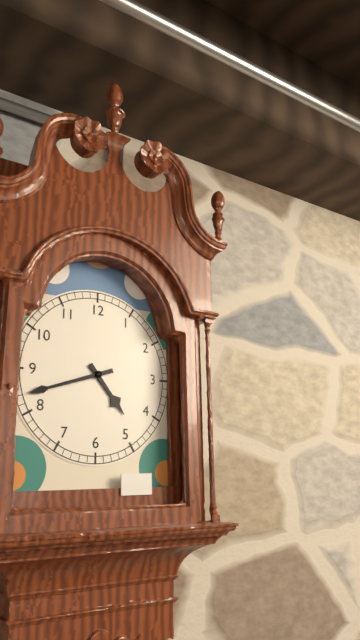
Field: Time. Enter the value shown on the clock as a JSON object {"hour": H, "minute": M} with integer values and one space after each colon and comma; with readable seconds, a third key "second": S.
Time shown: {"hour": 4, "minute": 42}
